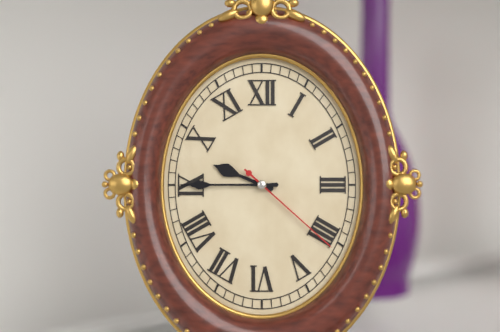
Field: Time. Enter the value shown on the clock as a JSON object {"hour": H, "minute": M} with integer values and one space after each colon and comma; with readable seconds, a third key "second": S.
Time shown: {"hour": 9, "minute": 45, "second": 22}
